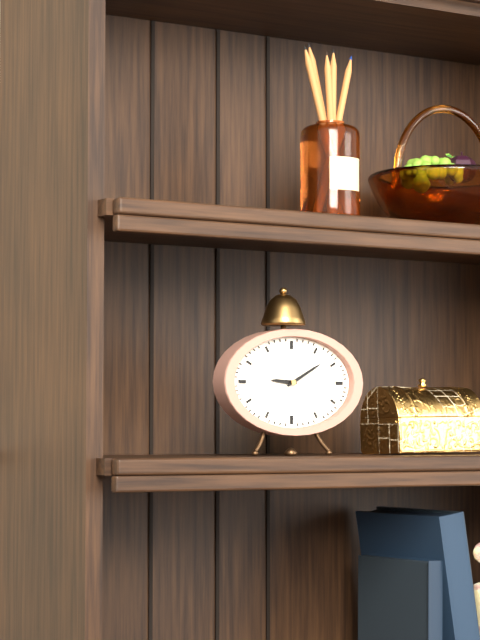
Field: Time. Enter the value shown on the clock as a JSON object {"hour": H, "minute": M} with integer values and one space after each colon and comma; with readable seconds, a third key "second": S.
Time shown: {"hour": 9, "minute": 10}
